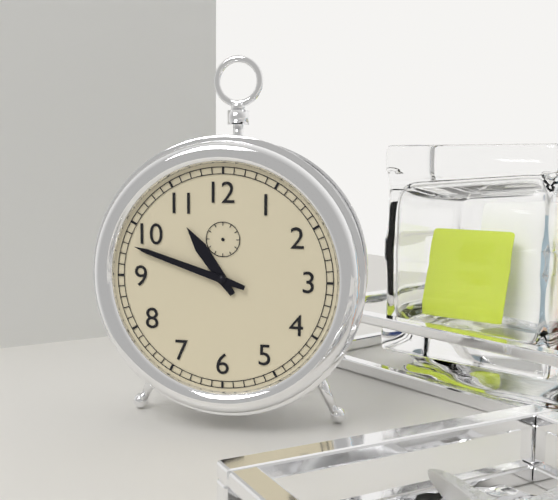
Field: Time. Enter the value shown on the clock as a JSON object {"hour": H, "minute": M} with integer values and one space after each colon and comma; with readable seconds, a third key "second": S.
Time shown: {"hour": 10, "minute": 48}
